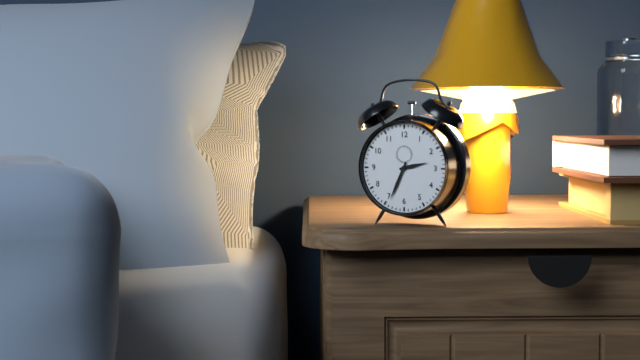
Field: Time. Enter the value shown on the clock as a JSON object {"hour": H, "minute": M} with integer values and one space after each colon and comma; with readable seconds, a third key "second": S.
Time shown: {"hour": 2, "minute": 34}
